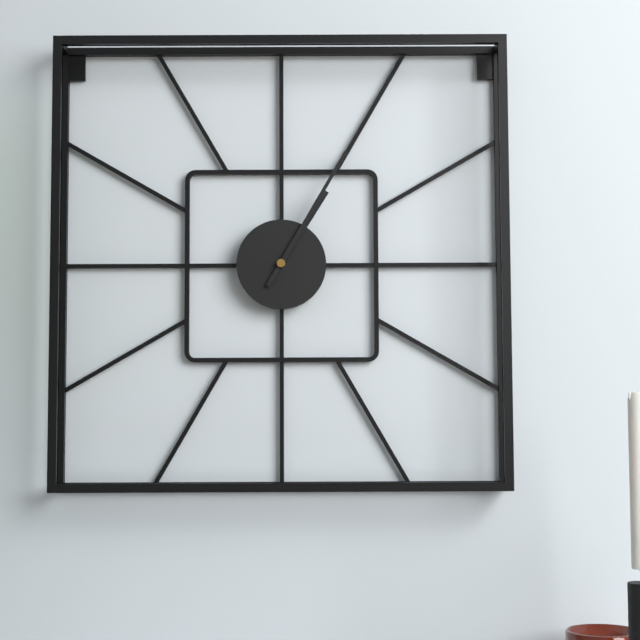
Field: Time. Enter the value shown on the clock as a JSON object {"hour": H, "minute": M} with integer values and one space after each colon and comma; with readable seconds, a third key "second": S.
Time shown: {"hour": 1, "minute": 5}
